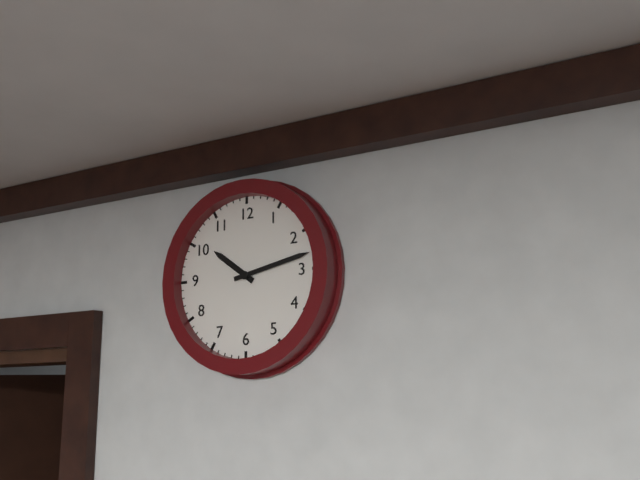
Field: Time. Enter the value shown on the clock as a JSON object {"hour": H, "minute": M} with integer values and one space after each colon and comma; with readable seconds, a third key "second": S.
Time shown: {"hour": 10, "minute": 13}
